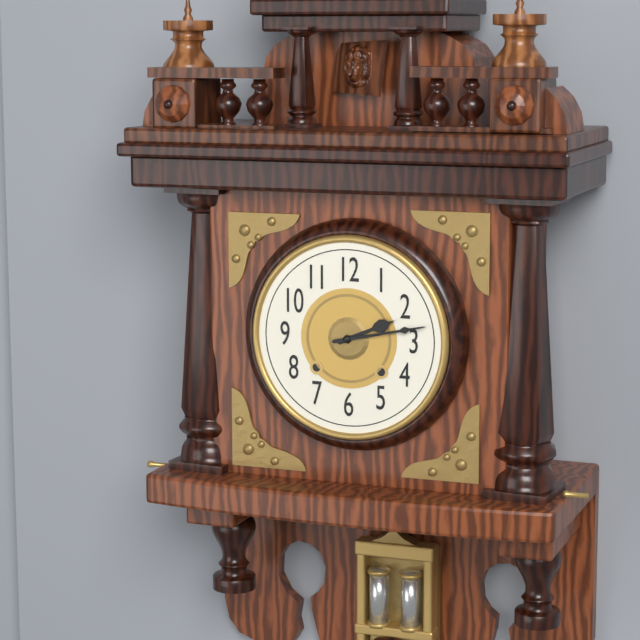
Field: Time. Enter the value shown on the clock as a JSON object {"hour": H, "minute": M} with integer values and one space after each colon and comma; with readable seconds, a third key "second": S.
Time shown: {"hour": 2, "minute": 13}
